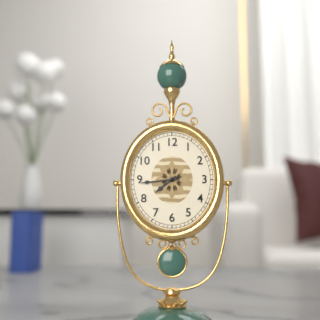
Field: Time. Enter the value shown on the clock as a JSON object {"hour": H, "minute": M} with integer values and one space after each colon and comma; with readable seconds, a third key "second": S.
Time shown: {"hour": 7, "minute": 44}
